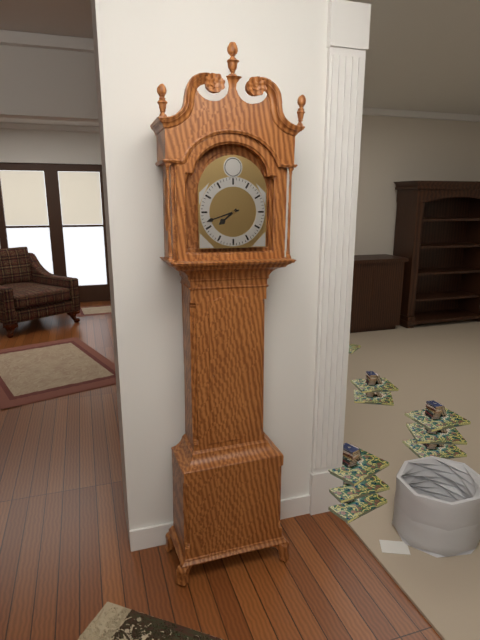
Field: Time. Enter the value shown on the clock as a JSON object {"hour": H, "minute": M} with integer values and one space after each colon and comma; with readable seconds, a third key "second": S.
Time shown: {"hour": 7, "minute": 42}
